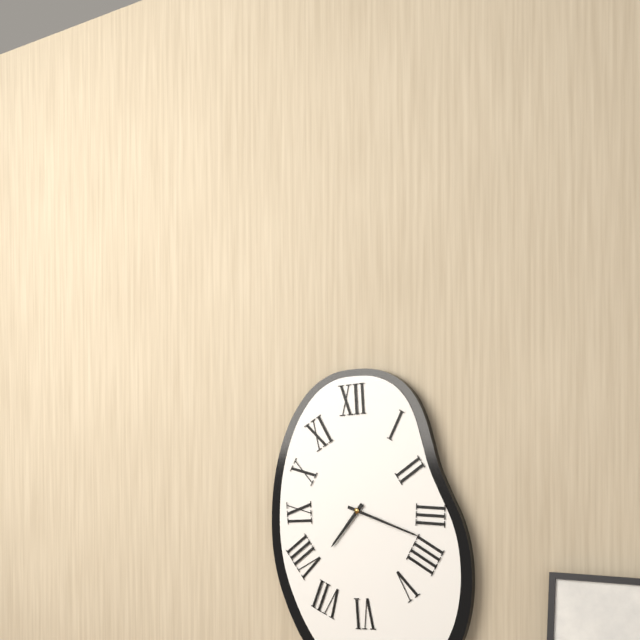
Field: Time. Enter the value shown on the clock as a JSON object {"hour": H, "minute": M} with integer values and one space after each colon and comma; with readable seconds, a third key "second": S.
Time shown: {"hour": 7, "minute": 18}
